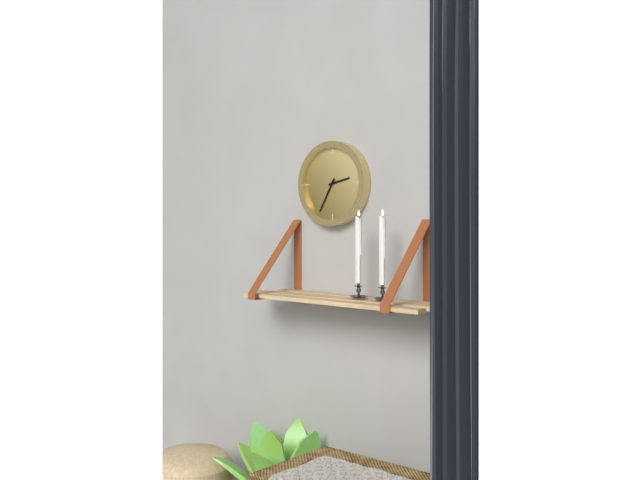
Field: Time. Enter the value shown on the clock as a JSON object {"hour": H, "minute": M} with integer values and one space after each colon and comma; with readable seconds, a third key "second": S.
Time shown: {"hour": 2, "minute": 35}
